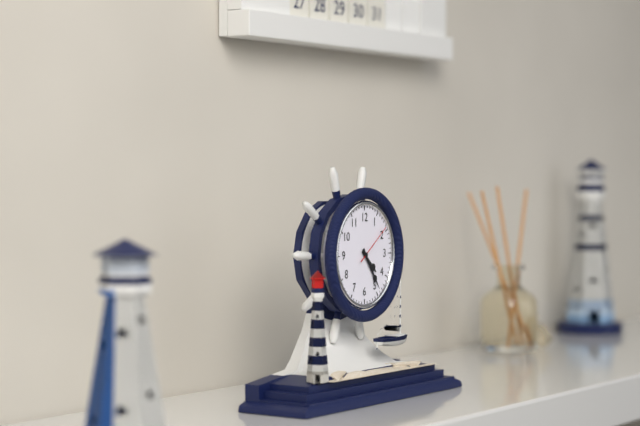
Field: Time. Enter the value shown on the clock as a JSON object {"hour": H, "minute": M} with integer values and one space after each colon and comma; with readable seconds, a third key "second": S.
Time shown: {"hour": 4, "minute": 24}
